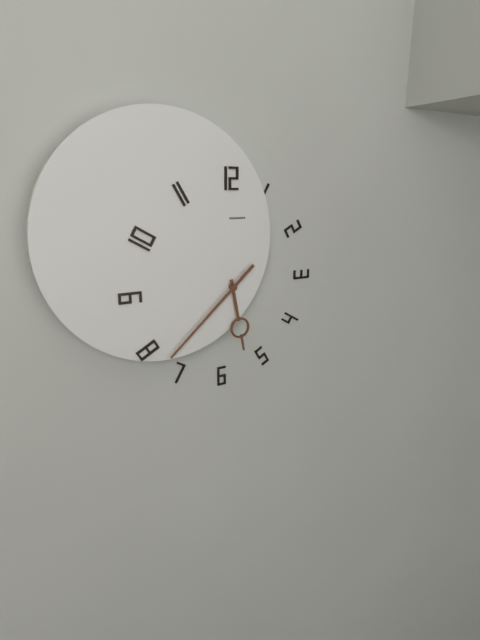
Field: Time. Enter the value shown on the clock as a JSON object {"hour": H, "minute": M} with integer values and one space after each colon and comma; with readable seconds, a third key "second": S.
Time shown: {"hour": 5, "minute": 38}
